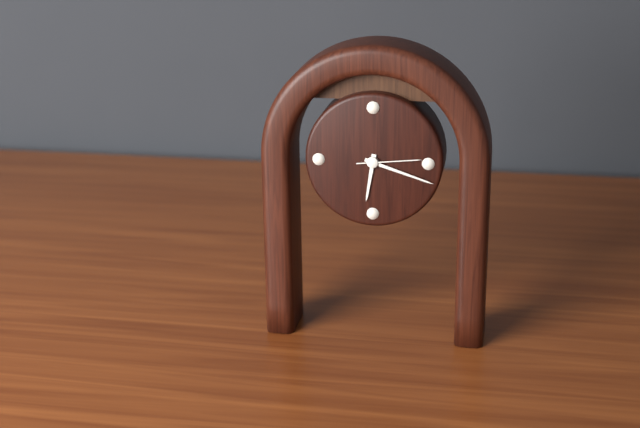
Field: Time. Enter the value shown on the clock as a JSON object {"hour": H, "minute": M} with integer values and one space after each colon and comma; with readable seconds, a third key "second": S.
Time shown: {"hour": 6, "minute": 18, "second": 14}
